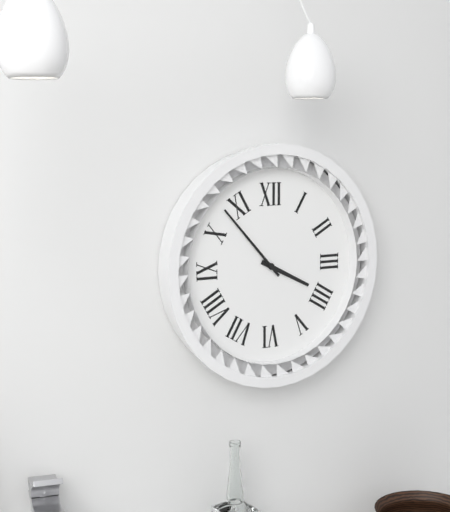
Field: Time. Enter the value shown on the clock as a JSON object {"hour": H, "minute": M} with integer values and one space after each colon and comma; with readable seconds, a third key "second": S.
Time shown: {"hour": 3, "minute": 53}
